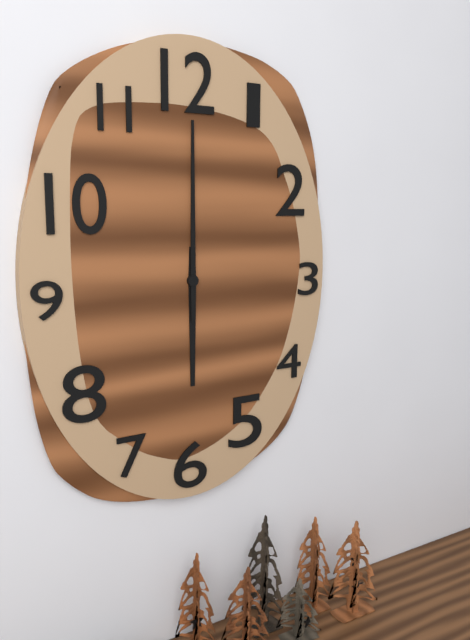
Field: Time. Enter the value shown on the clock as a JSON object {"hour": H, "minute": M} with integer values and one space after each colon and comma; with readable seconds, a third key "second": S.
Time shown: {"hour": 6, "minute": 0}
